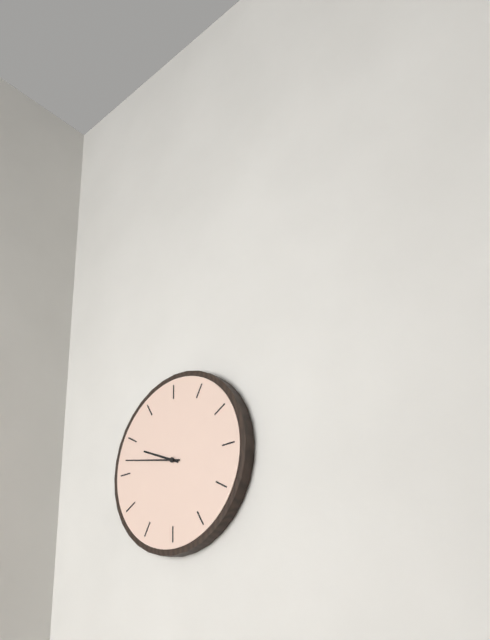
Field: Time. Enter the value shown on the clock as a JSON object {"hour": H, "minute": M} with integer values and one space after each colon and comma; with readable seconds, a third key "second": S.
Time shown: {"hour": 9, "minute": 47}
